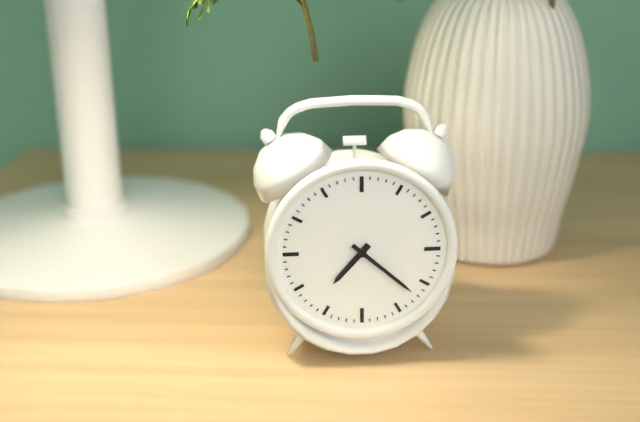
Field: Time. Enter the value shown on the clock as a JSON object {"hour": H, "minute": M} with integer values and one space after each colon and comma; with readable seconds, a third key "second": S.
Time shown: {"hour": 7, "minute": 22}
